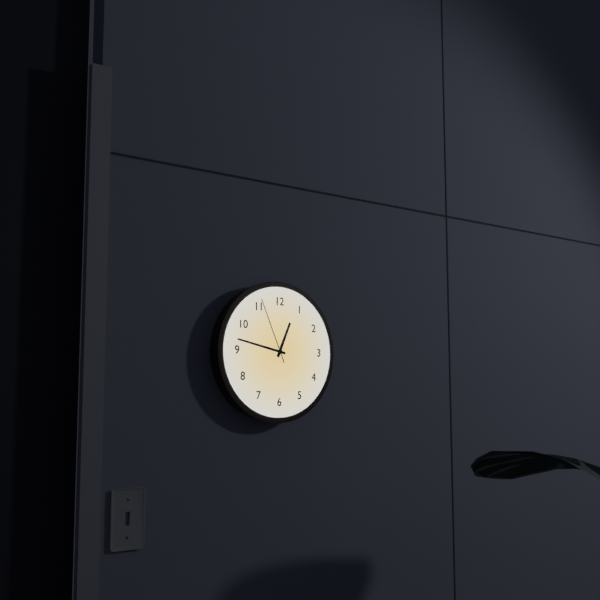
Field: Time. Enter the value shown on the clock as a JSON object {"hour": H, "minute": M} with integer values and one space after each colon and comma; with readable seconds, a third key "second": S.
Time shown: {"hour": 12, "minute": 47, "second": 56}
